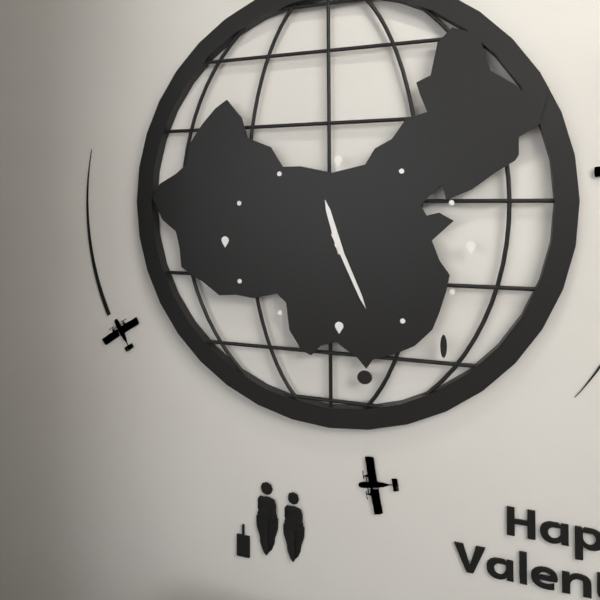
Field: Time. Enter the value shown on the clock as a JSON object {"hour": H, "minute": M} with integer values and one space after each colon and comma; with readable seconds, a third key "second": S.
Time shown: {"hour": 11, "minute": 26}
